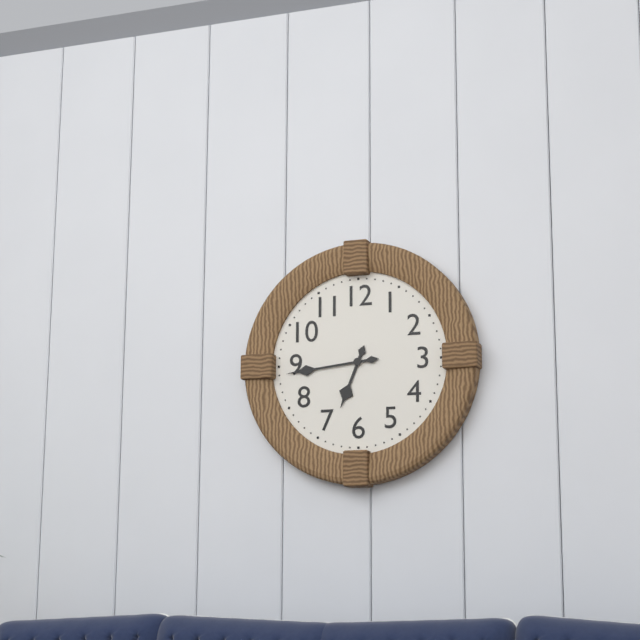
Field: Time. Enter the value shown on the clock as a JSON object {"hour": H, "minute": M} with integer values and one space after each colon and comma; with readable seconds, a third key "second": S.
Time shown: {"hour": 6, "minute": 44}
